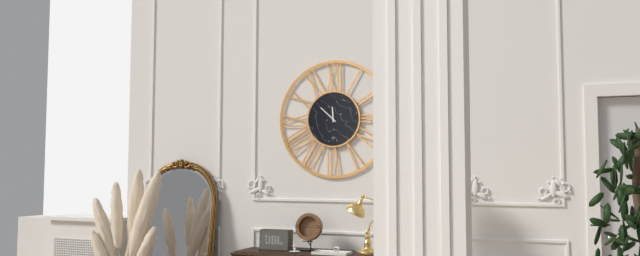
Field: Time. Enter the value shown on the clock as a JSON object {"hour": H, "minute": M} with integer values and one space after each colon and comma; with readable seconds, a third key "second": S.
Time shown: {"hour": 11, "minute": 52}
